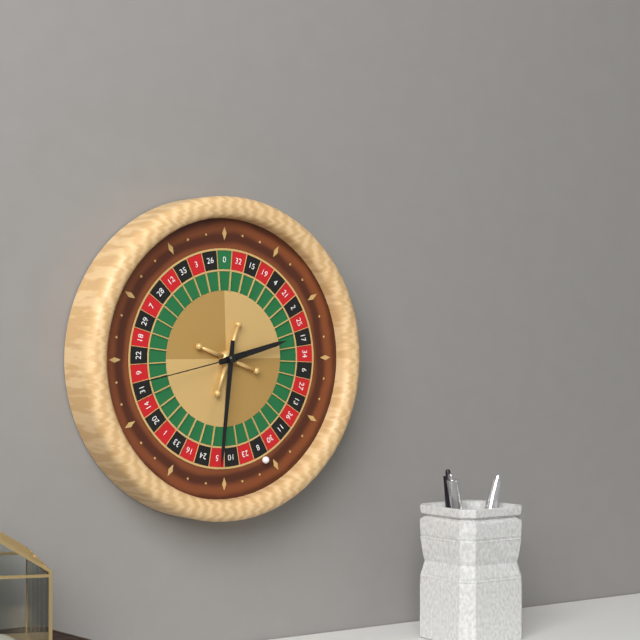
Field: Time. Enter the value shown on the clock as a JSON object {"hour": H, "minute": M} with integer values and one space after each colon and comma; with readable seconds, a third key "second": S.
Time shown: {"hour": 2, "minute": 31, "second": 43}
